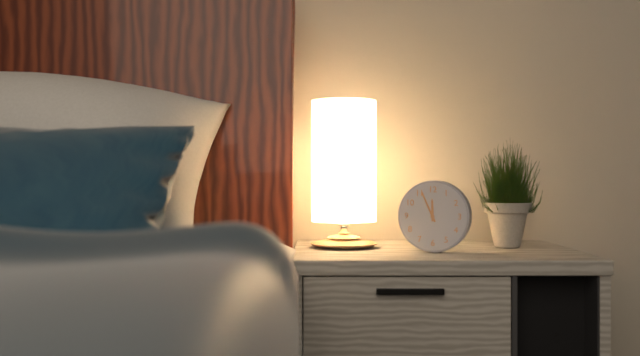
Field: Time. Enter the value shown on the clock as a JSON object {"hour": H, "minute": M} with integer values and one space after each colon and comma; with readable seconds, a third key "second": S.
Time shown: {"hour": 11, "minute": 56}
